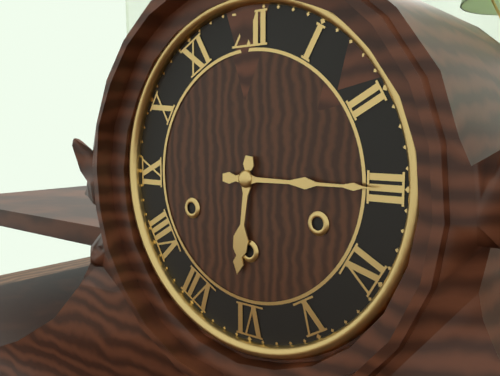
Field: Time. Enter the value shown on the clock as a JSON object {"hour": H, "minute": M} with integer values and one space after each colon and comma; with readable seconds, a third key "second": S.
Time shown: {"hour": 6, "minute": 15}
